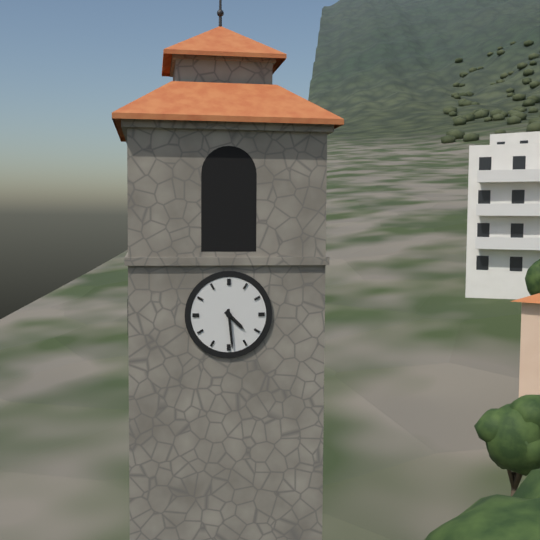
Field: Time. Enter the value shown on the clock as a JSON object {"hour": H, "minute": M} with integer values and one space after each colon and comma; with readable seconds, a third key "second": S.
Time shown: {"hour": 4, "minute": 29}
